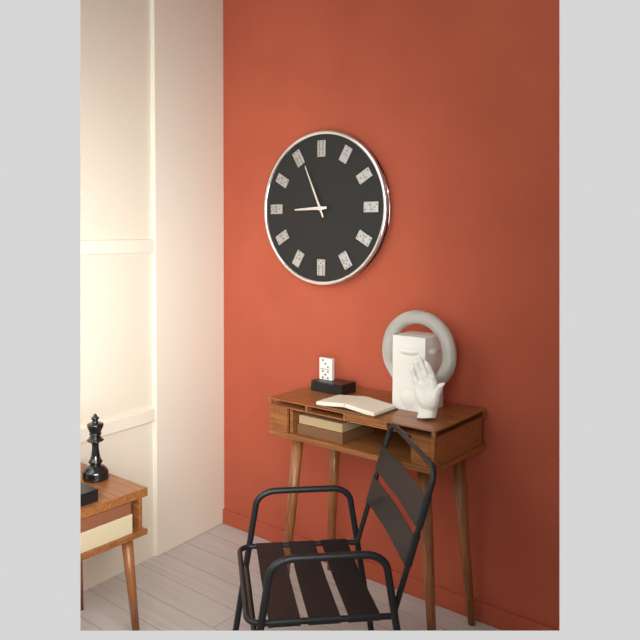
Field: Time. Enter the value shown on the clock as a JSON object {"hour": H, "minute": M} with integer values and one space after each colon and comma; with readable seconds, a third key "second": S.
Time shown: {"hour": 8, "minute": 56}
